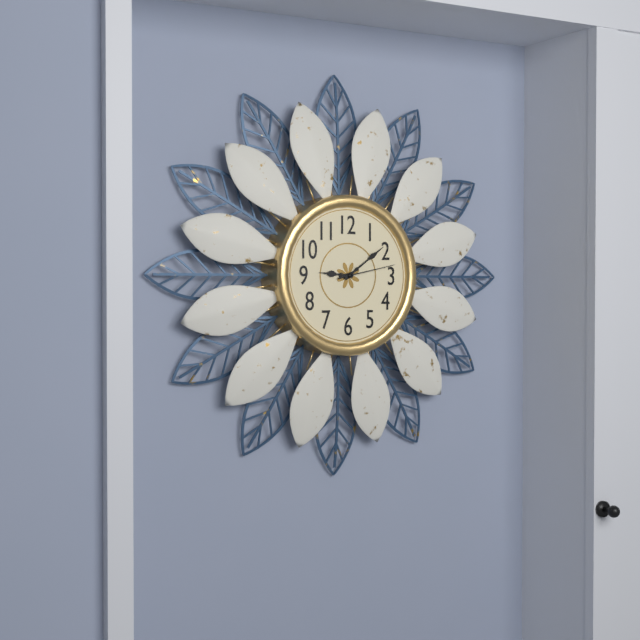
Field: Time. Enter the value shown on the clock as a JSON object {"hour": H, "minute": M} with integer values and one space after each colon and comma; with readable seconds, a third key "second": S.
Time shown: {"hour": 9, "minute": 9, "second": 13}
